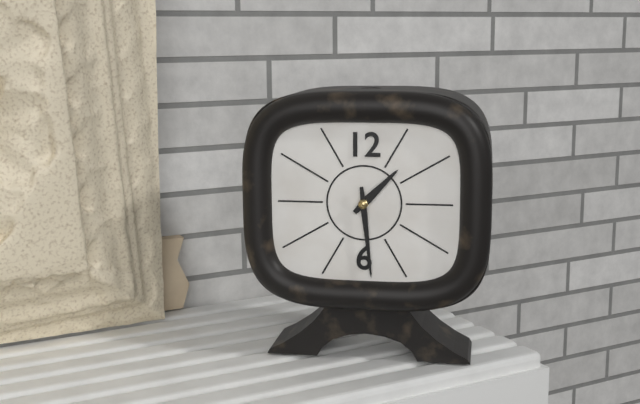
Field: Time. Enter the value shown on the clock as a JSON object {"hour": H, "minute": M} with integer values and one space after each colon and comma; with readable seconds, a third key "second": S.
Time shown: {"hour": 1, "minute": 29}
